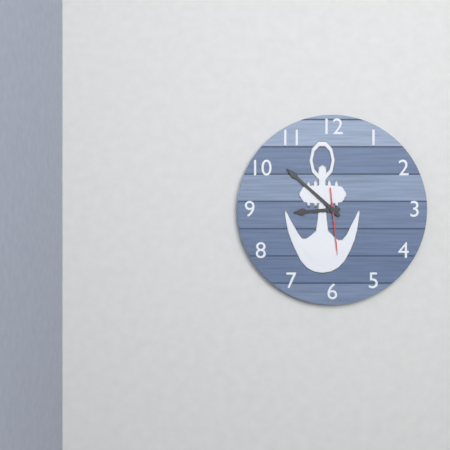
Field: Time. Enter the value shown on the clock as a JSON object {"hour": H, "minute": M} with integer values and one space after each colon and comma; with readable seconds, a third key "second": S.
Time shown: {"hour": 8, "minute": 52, "second": 29}
